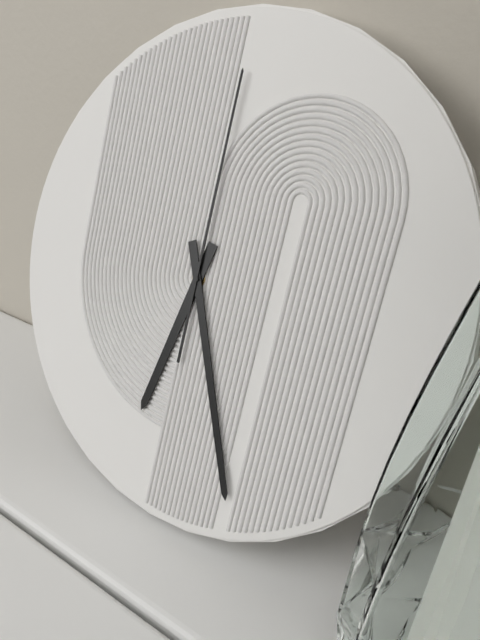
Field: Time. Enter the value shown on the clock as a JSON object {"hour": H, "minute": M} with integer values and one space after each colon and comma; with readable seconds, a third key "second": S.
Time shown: {"hour": 6, "minute": 26, "second": 0}
